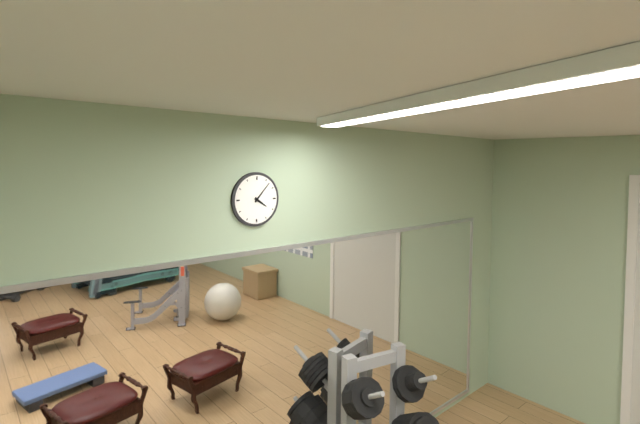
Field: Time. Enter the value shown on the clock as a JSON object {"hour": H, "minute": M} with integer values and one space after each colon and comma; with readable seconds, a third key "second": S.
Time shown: {"hour": 4, "minute": 7}
